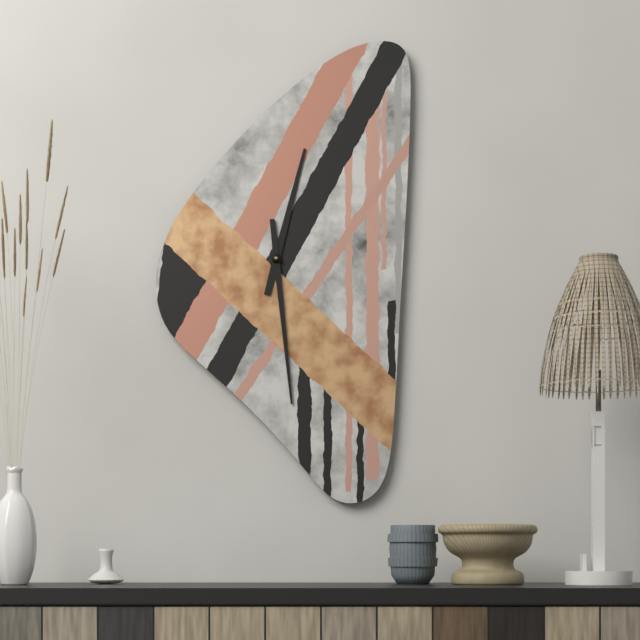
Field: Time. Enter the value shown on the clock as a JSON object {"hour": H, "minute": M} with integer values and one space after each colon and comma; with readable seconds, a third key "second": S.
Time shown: {"hour": 12, "minute": 29}
